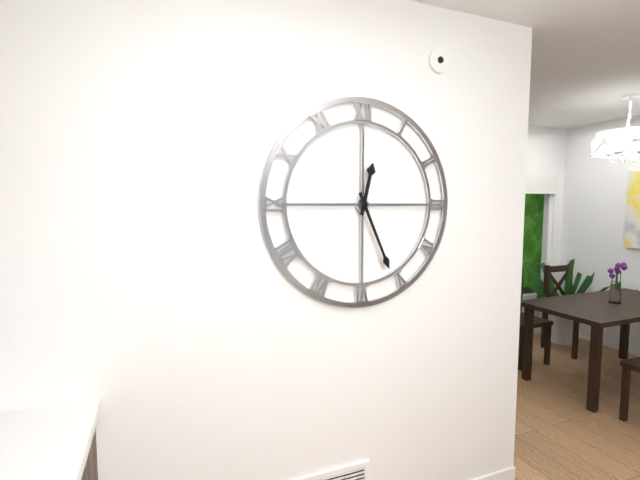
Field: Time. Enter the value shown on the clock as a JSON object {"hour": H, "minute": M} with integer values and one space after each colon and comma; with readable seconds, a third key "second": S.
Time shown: {"hour": 12, "minute": 26}
